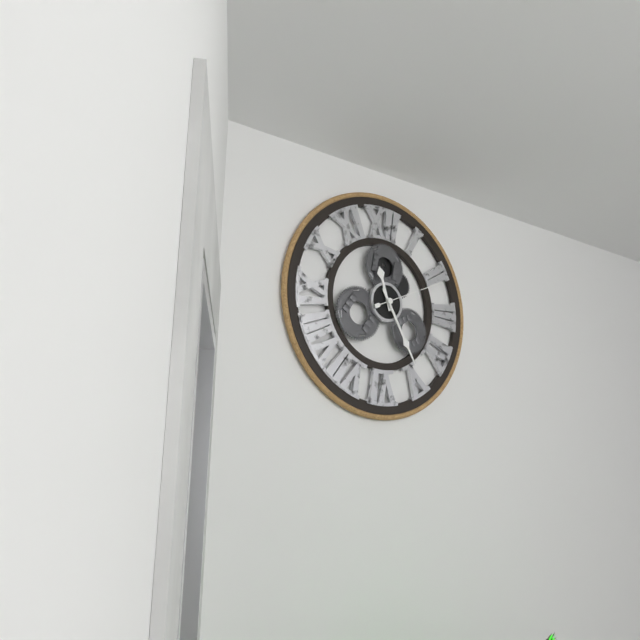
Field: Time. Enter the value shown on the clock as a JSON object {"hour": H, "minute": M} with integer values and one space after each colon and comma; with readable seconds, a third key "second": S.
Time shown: {"hour": 11, "minute": 25, "second": 11}
